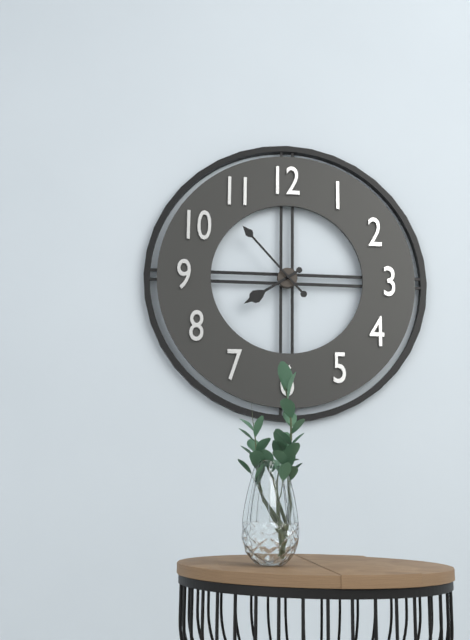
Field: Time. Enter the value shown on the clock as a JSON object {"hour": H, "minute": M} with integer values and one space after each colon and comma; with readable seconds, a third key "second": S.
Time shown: {"hour": 7, "minute": 53}
